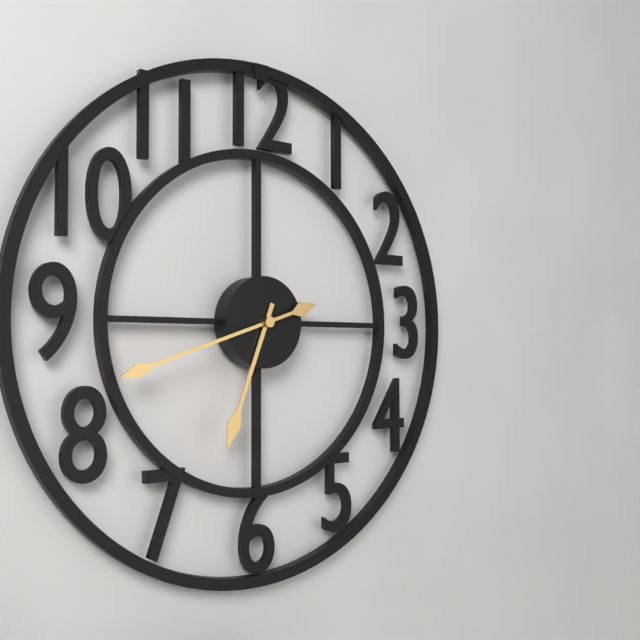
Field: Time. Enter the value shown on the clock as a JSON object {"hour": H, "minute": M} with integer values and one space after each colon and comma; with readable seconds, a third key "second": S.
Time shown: {"hour": 6, "minute": 42}
